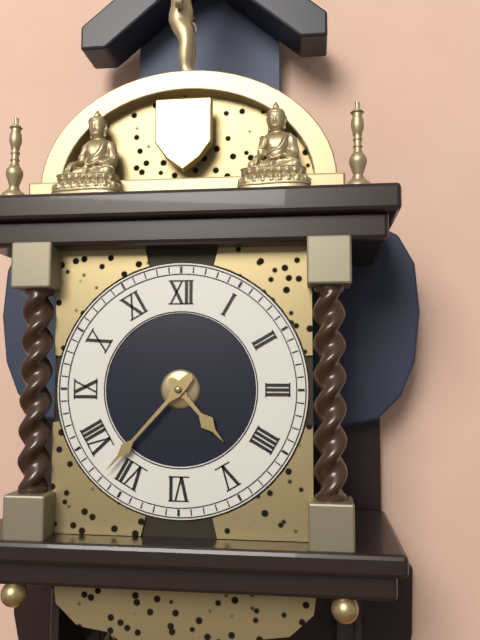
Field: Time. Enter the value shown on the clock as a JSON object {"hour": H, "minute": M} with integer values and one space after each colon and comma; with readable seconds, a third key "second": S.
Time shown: {"hour": 4, "minute": 37}
